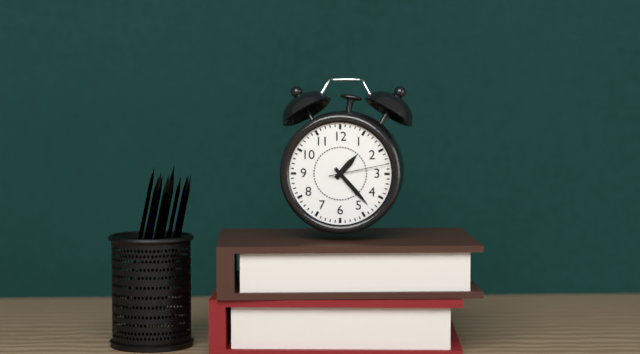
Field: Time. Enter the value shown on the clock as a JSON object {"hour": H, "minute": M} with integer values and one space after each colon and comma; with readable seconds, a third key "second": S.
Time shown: {"hour": 1, "minute": 23, "second": 13}
